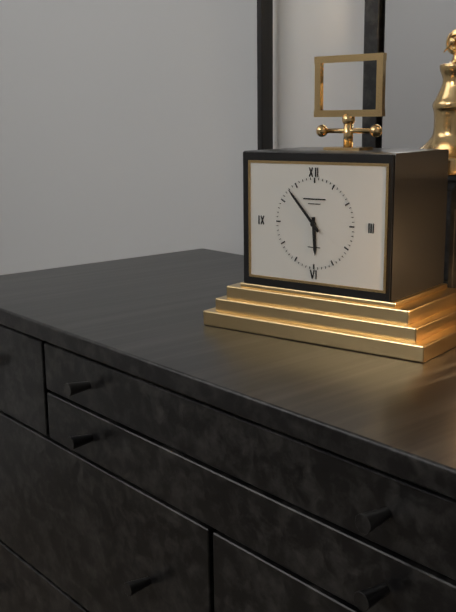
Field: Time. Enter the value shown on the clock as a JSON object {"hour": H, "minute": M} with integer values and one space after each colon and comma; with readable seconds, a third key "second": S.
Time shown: {"hour": 5, "minute": 53}
